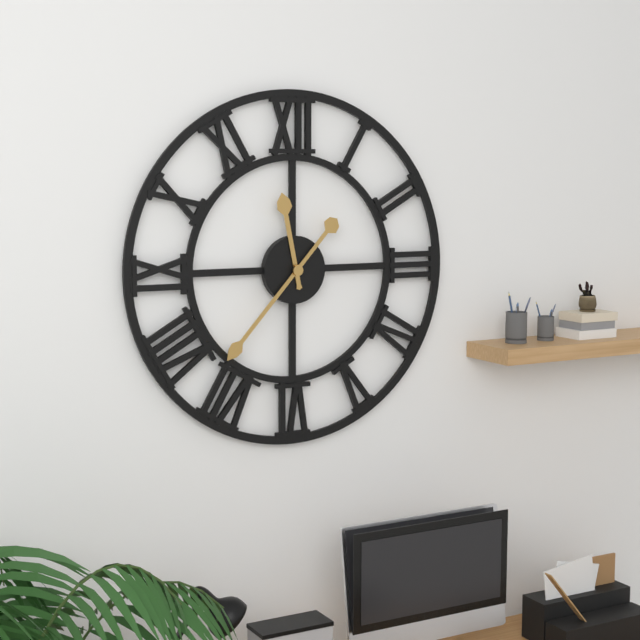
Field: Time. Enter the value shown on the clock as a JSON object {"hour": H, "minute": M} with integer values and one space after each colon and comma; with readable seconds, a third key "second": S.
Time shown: {"hour": 11, "minute": 37}
